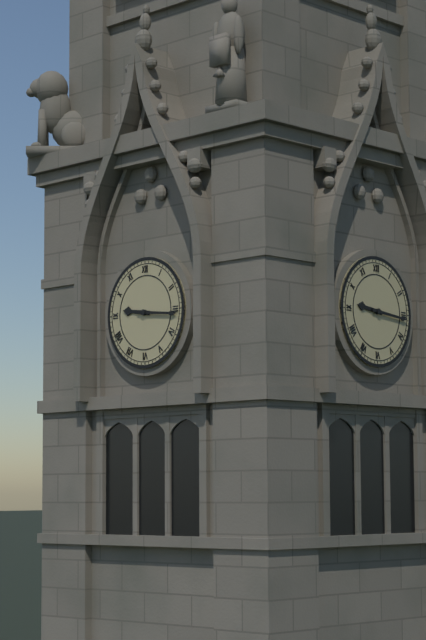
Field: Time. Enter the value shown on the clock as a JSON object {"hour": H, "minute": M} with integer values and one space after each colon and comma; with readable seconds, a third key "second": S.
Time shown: {"hour": 9, "minute": 16}
